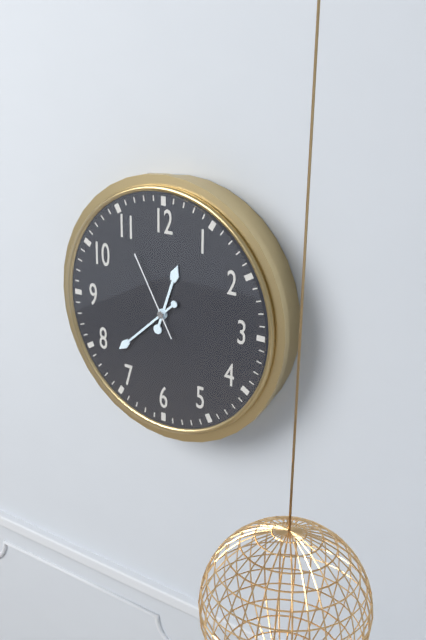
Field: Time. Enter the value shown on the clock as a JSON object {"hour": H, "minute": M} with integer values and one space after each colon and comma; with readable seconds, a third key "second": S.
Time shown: {"hour": 12, "minute": 38, "second": 55}
